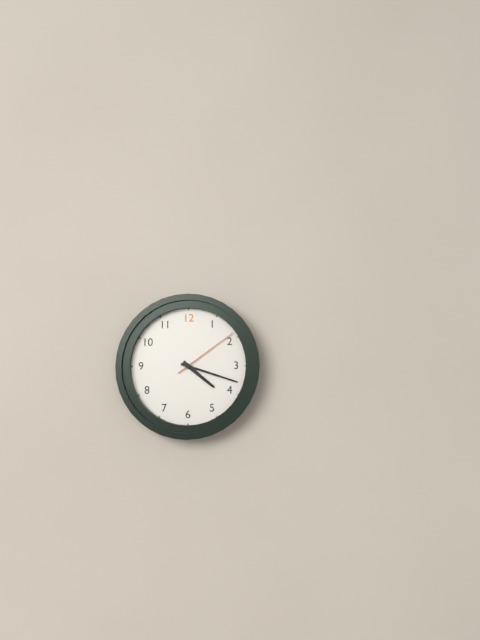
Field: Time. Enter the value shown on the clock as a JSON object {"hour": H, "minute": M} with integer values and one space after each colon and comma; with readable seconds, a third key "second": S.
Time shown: {"hour": 4, "minute": 18, "second": 9}
